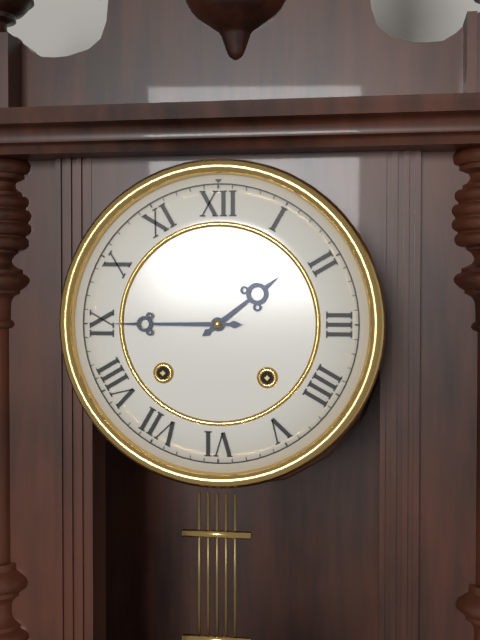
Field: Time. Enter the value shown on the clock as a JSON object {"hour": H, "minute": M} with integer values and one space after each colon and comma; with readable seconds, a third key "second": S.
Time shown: {"hour": 1, "minute": 45}
